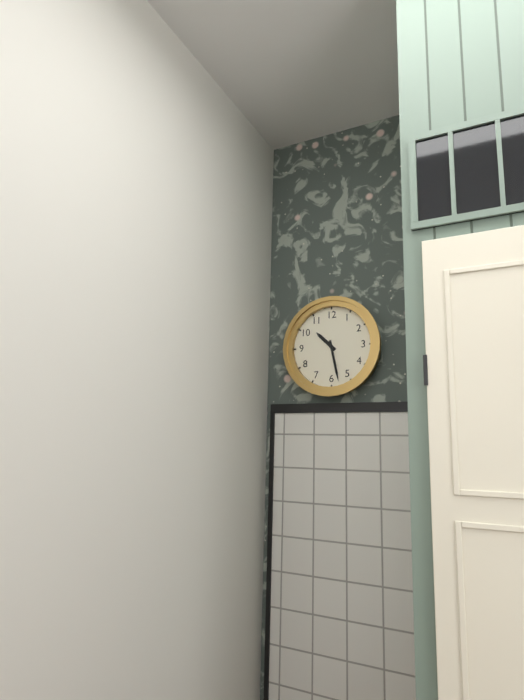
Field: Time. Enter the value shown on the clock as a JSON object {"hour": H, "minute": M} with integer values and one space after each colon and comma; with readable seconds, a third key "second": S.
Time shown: {"hour": 10, "minute": 28}
